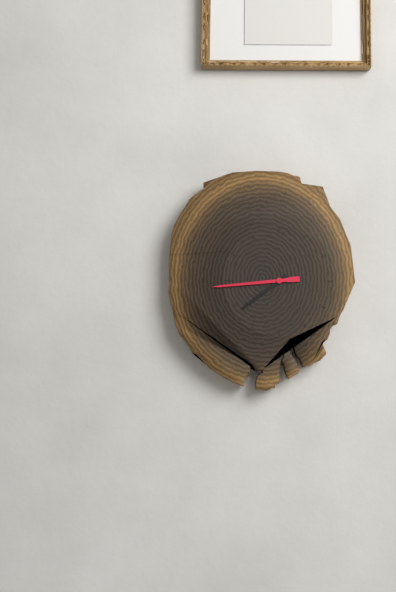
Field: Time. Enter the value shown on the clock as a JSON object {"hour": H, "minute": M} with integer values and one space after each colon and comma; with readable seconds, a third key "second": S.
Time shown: {"hour": 7, "minute": 44}
